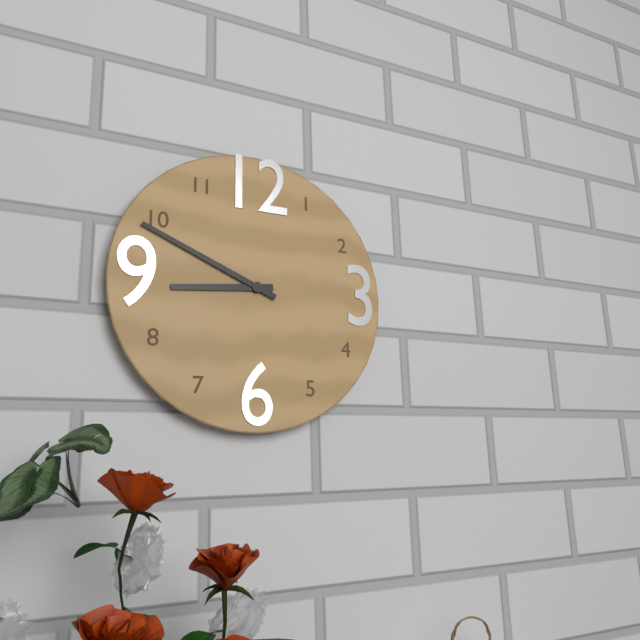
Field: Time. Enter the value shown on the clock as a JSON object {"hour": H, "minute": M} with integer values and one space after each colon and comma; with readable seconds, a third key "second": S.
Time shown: {"hour": 8, "minute": 49}
